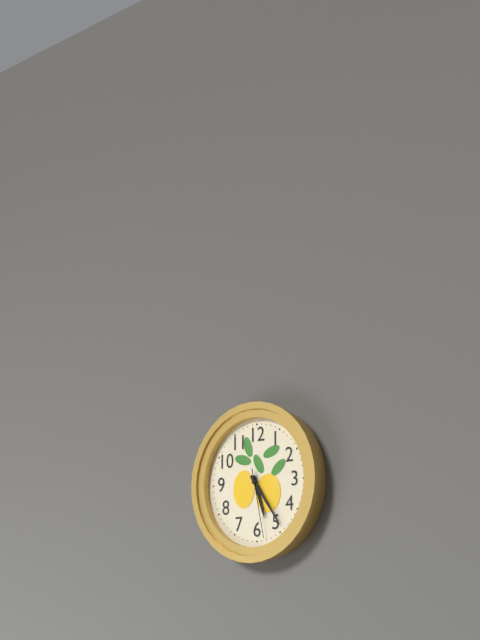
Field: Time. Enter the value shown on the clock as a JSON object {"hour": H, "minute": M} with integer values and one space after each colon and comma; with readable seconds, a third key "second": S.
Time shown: {"hour": 5, "minute": 24, "second": 28}
